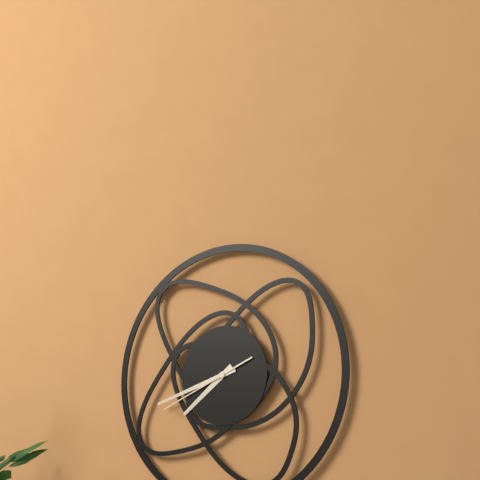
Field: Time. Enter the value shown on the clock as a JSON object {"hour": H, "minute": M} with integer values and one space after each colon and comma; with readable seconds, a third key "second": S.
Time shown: {"hour": 7, "minute": 42, "second": 41}
